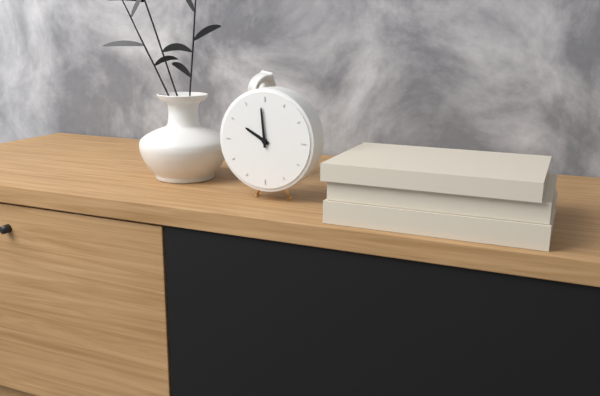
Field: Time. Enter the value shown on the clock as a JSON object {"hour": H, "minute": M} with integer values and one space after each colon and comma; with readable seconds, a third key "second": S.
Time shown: {"hour": 9, "minute": 59}
